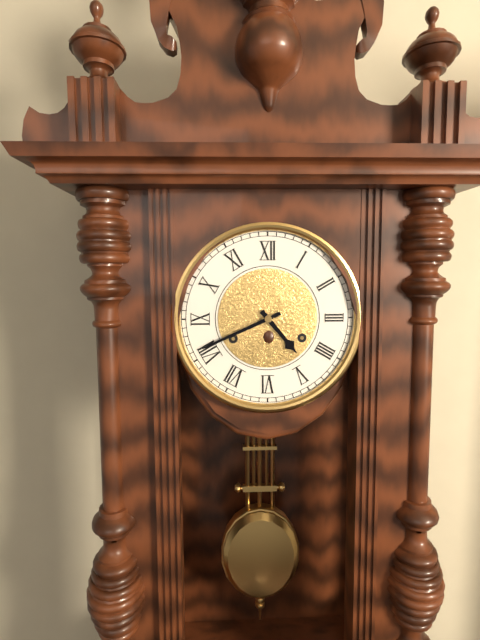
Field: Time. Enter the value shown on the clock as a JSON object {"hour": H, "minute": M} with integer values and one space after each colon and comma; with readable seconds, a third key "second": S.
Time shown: {"hour": 4, "minute": 41}
